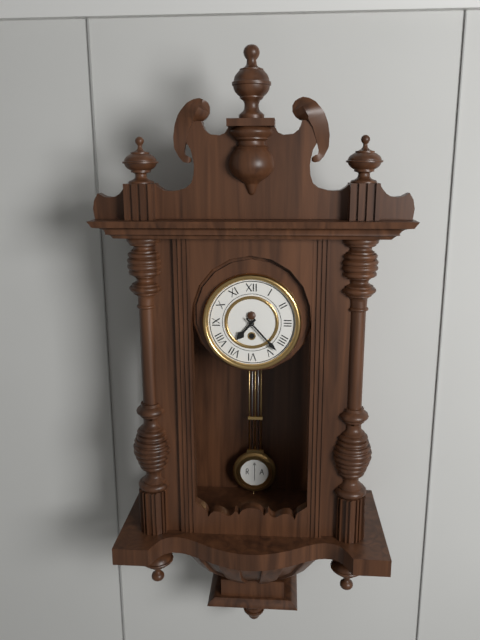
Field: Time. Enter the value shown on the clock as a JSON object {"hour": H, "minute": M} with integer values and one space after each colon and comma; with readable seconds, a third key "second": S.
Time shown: {"hour": 7, "minute": 23}
